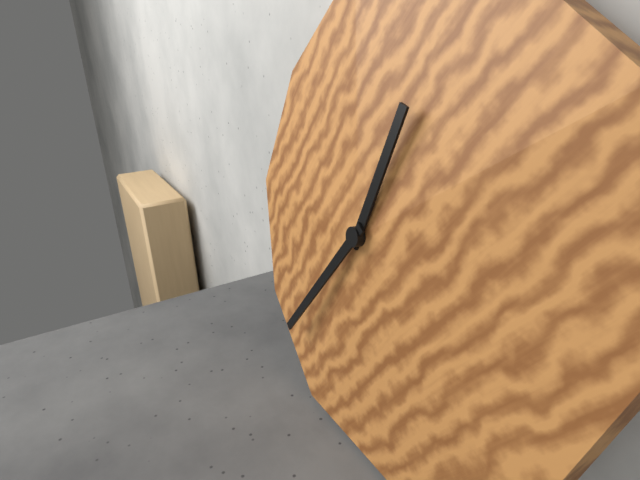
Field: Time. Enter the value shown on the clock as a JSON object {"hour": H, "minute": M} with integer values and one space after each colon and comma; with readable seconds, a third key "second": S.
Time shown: {"hour": 12, "minute": 36}
